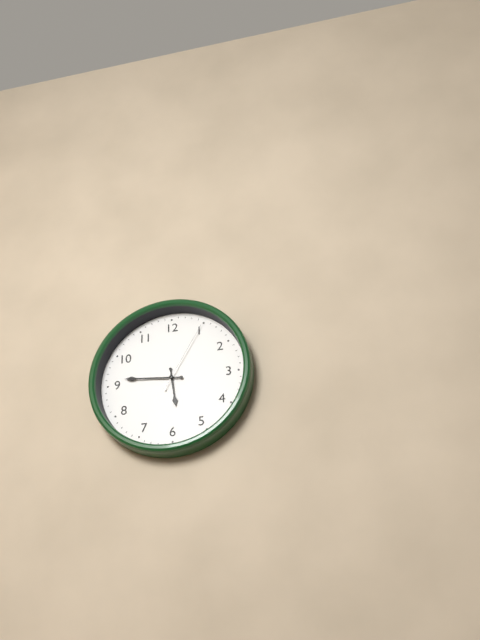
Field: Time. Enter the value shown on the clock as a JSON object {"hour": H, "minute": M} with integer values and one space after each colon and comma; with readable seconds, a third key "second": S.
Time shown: {"hour": 5, "minute": 46, "second": 5}
